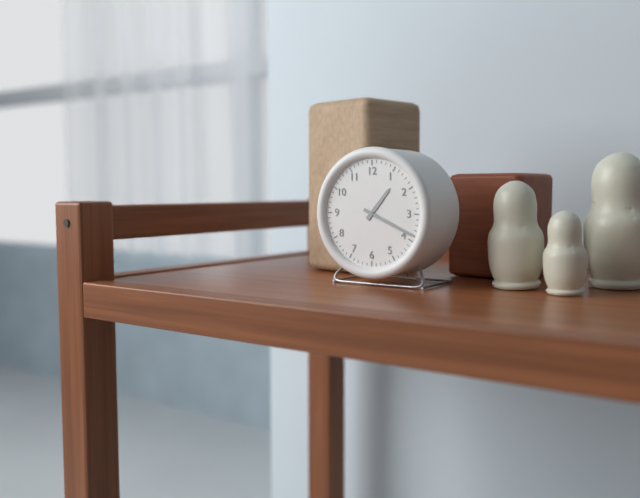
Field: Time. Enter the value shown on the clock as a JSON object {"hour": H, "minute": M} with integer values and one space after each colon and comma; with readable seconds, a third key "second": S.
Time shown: {"hour": 1, "minute": 19}
